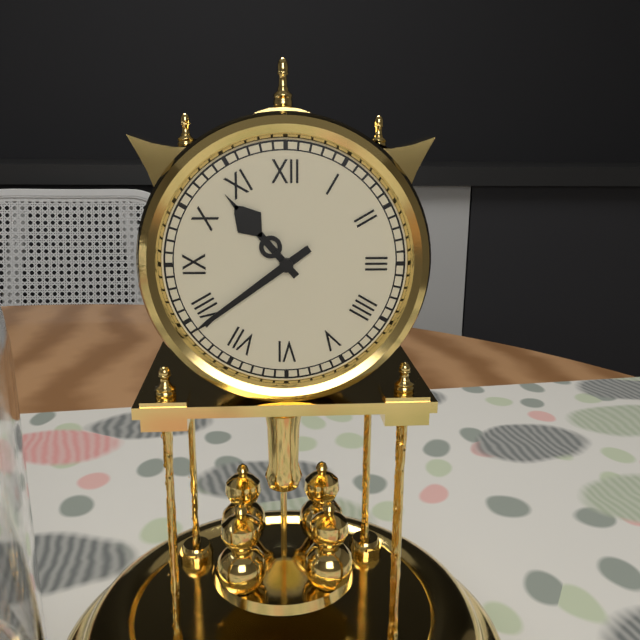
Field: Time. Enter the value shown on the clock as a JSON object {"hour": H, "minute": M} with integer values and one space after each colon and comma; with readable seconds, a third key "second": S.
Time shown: {"hour": 10, "minute": 39}
